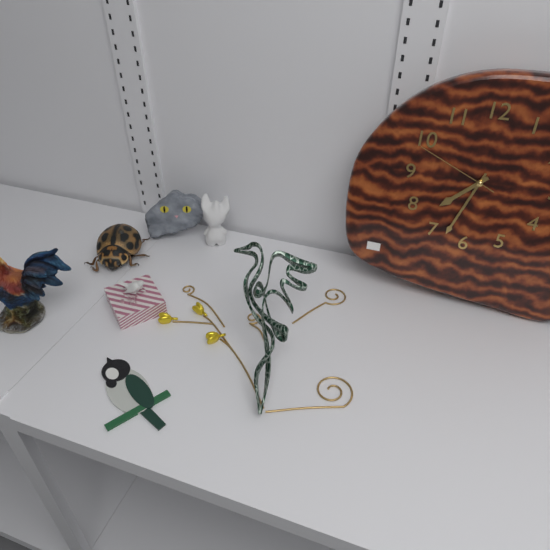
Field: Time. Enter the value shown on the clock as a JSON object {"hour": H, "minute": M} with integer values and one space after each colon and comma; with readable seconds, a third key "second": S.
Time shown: {"hour": 7, "minute": 33, "second": 49}
